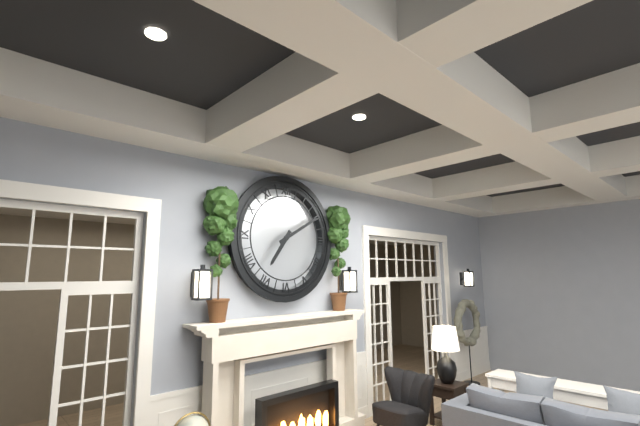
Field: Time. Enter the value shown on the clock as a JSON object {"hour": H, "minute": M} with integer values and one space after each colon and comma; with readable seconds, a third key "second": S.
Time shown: {"hour": 7, "minute": 10}
